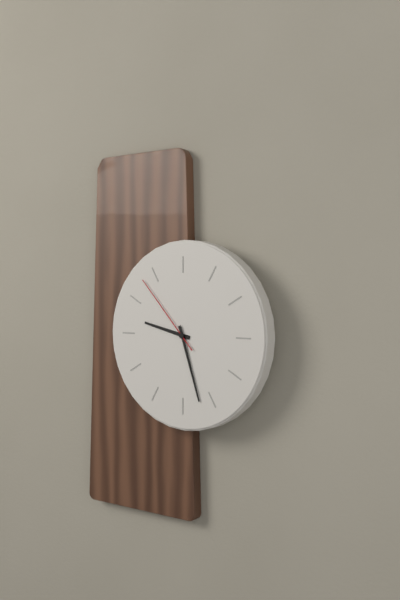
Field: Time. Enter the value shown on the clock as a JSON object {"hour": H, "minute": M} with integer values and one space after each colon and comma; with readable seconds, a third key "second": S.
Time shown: {"hour": 9, "minute": 27, "second": 53}
